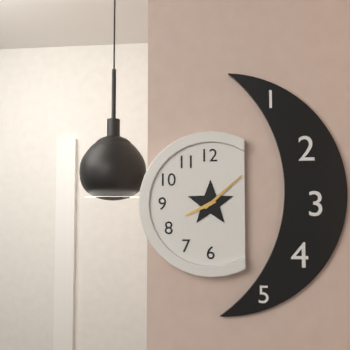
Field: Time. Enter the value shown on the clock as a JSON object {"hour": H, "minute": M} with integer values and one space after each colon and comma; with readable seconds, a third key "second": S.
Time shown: {"hour": 8, "minute": 8}
